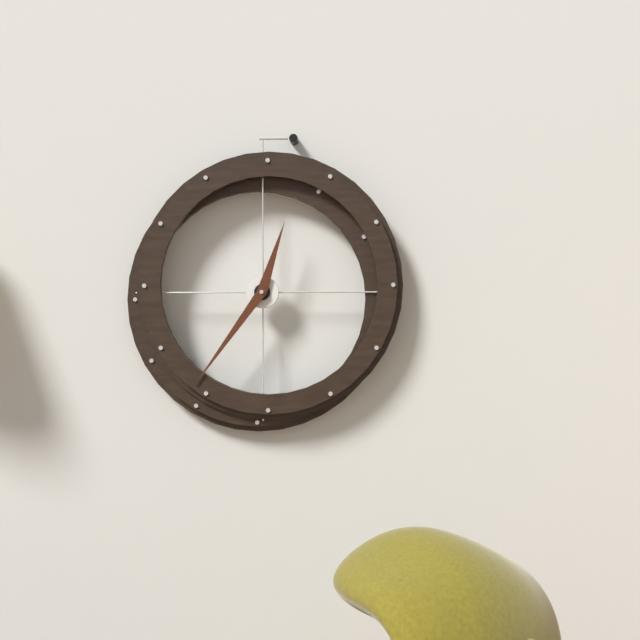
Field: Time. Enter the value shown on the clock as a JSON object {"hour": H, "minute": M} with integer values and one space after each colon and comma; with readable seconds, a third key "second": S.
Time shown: {"hour": 12, "minute": 36}
